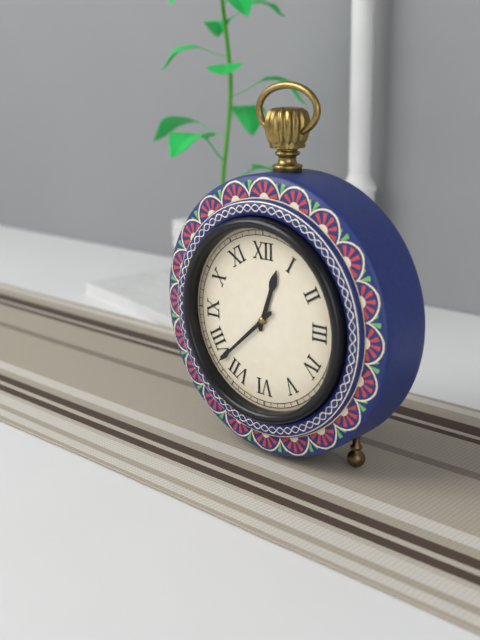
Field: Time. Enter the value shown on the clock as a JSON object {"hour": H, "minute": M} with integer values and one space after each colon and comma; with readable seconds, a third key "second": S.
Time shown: {"hour": 12, "minute": 38}
